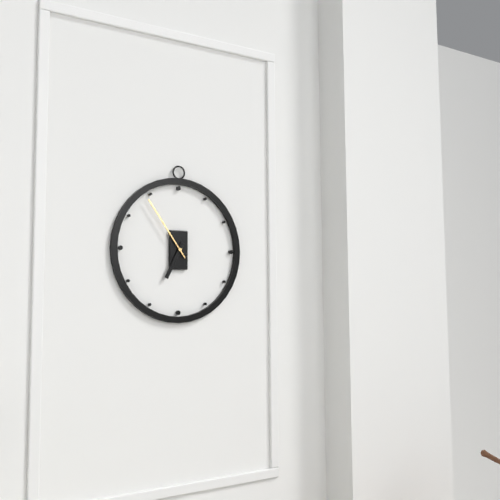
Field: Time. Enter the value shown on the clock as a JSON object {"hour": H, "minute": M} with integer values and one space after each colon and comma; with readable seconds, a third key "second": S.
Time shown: {"hour": 6, "minute": 54}
